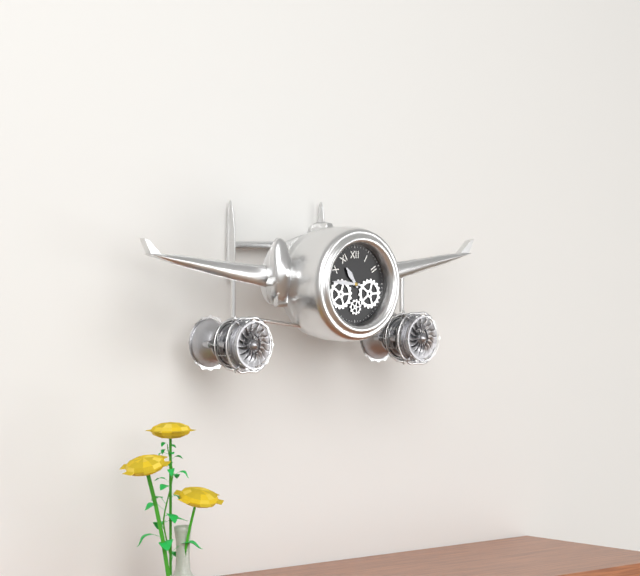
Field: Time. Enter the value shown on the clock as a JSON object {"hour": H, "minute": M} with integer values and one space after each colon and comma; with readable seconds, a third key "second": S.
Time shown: {"hour": 10, "minute": 46}
